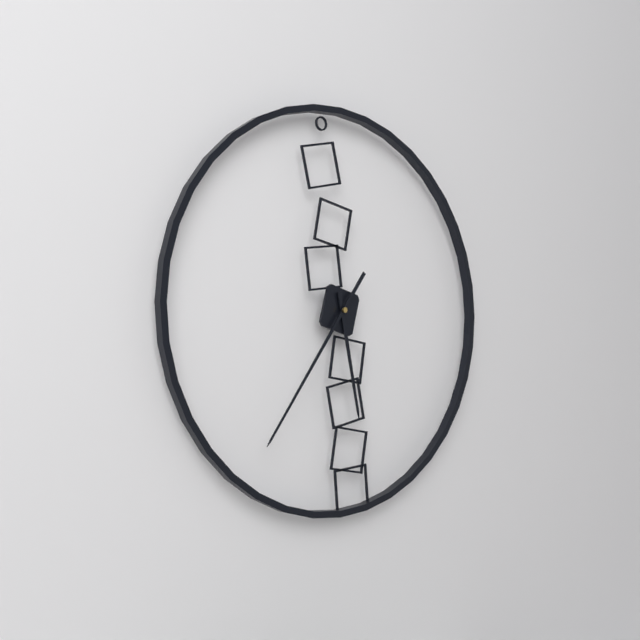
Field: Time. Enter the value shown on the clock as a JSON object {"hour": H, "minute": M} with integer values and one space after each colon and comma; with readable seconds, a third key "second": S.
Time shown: {"hour": 5, "minute": 36}
